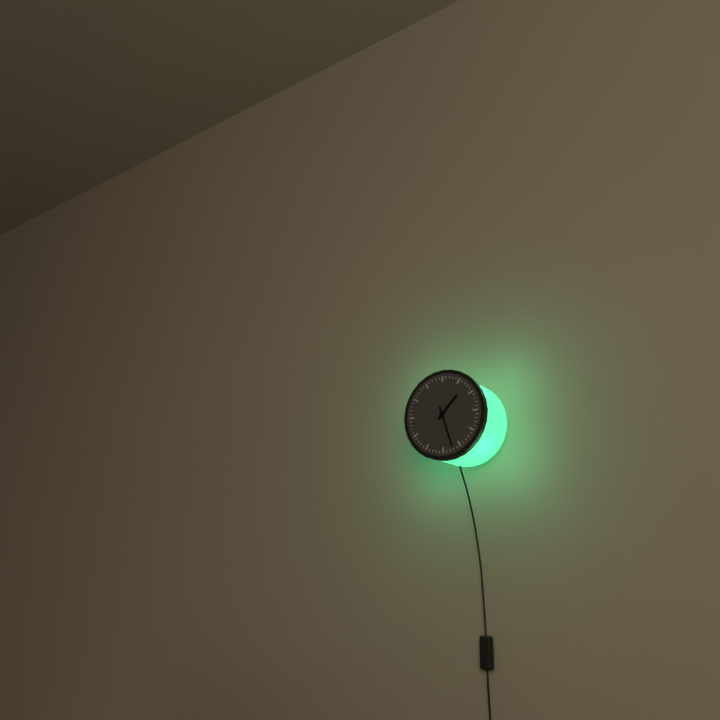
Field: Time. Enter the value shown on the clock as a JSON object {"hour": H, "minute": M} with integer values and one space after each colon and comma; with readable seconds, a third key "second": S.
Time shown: {"hour": 1, "minute": 27}
